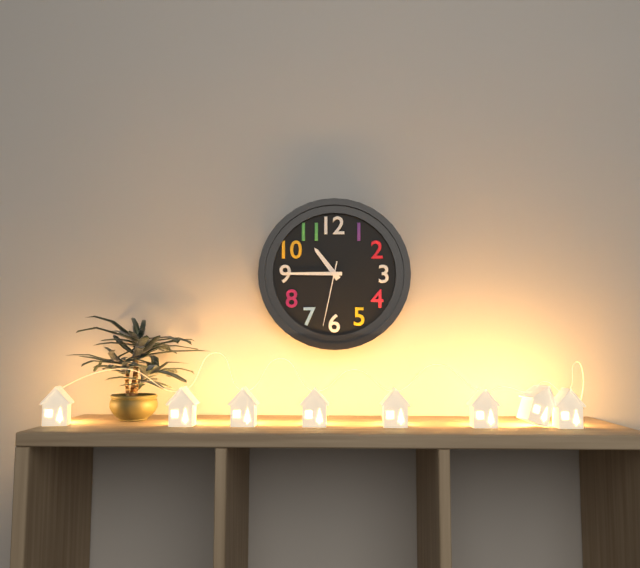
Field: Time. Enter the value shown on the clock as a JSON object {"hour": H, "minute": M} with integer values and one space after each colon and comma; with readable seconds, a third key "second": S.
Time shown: {"hour": 10, "minute": 45, "second": 32}
